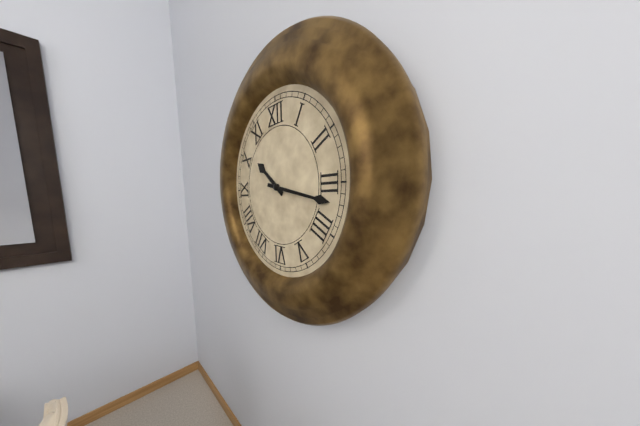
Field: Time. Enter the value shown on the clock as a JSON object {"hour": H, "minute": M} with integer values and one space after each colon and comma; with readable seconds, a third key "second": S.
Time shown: {"hour": 10, "minute": 17}
